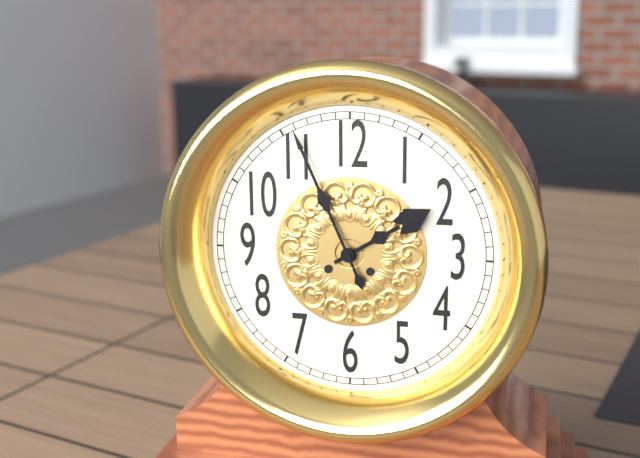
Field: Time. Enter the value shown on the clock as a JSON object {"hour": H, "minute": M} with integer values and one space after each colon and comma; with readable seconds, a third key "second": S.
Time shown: {"hour": 1, "minute": 56}
